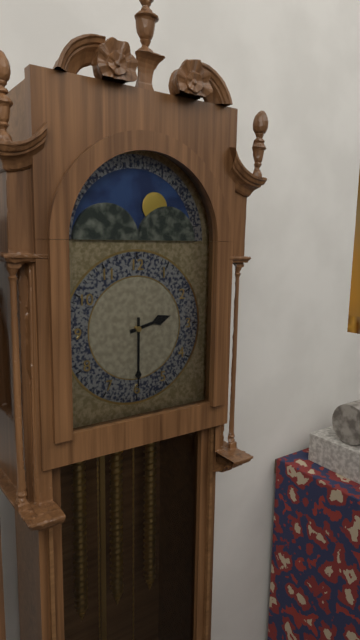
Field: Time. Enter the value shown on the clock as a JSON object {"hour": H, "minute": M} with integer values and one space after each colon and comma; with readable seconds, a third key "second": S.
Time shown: {"hour": 2, "minute": 30}
